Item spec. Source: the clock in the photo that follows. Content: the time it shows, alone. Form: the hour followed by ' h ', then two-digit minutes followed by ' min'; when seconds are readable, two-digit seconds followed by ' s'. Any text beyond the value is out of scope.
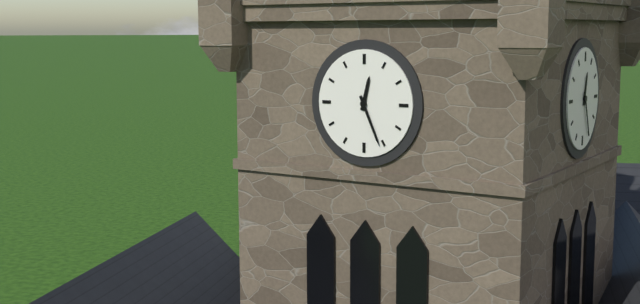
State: 12 h 26 min
